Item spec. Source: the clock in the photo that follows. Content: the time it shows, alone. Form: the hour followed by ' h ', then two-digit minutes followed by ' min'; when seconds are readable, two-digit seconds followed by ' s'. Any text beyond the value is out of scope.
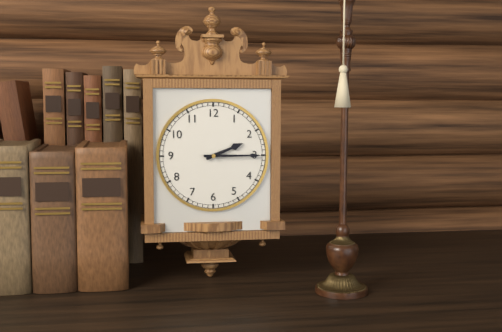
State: 2 h 15 min
